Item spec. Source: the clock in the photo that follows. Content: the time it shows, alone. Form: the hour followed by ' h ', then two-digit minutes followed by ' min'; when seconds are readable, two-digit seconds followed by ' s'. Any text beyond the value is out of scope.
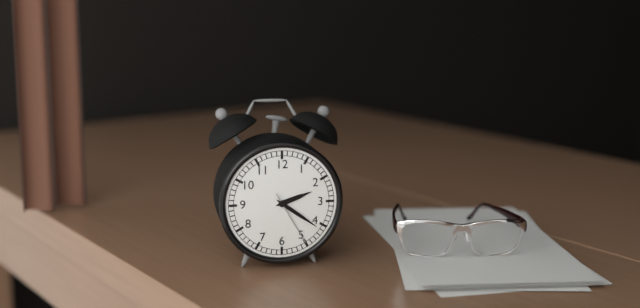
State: 2 h 21 min 25 s
